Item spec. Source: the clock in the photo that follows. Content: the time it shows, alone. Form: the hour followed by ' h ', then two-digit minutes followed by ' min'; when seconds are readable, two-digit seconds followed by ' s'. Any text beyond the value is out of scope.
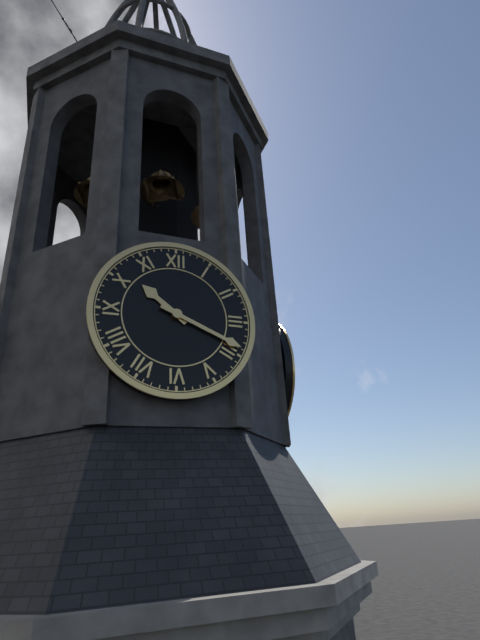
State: 10 h 19 min
